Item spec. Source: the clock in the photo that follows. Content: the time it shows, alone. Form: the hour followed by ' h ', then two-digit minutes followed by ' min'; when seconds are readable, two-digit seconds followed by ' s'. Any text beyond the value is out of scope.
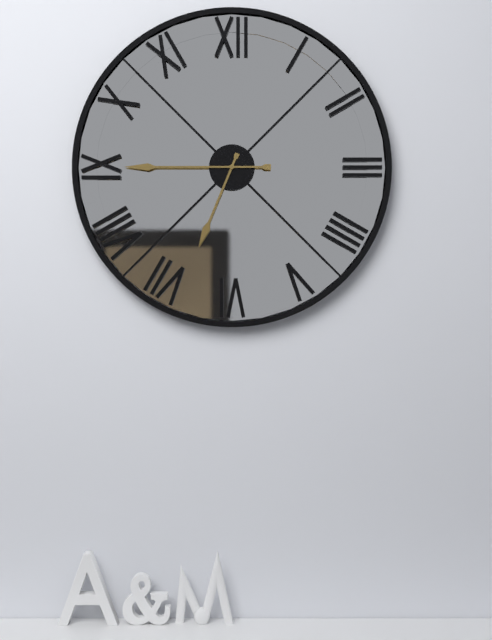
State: 6 h 45 min
